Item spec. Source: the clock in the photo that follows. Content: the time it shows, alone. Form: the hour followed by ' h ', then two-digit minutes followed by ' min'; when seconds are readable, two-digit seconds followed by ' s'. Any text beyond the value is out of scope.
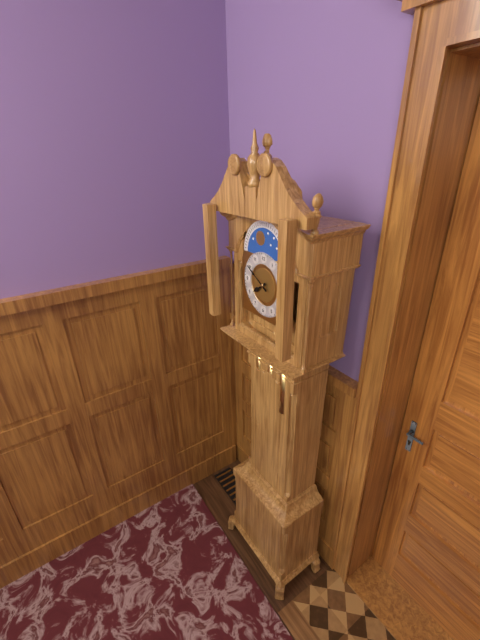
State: 7 h 50 min
